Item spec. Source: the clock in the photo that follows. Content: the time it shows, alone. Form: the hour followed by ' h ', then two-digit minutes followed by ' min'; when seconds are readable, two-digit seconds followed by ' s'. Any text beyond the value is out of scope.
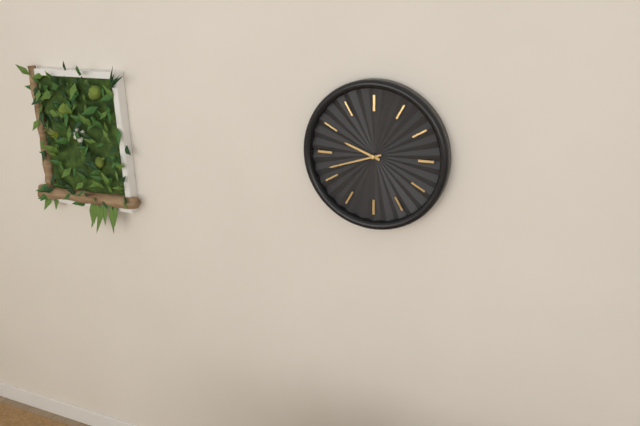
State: 9 h 42 min
